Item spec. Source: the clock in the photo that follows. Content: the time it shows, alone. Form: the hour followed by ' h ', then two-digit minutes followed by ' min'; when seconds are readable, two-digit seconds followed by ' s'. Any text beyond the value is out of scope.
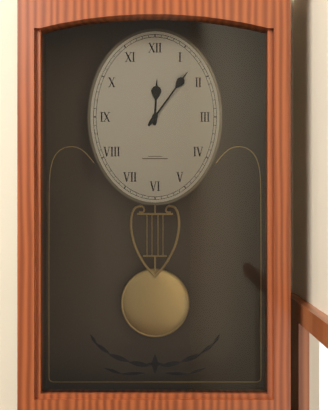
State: 12 h 06 min
